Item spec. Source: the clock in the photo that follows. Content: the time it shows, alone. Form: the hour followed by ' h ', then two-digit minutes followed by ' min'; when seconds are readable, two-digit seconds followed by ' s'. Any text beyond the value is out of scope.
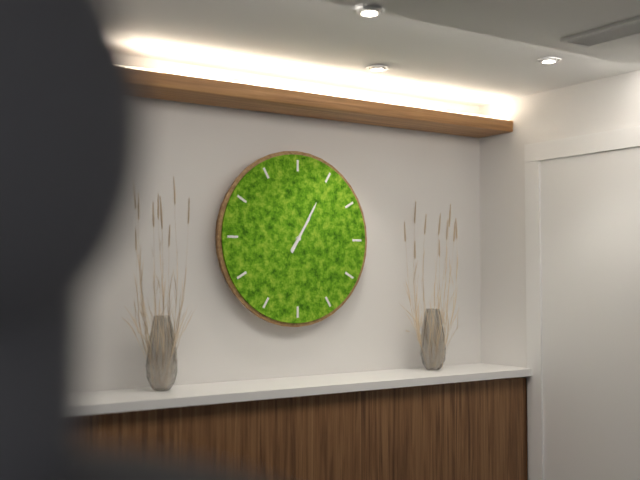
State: 1 h 05 min
